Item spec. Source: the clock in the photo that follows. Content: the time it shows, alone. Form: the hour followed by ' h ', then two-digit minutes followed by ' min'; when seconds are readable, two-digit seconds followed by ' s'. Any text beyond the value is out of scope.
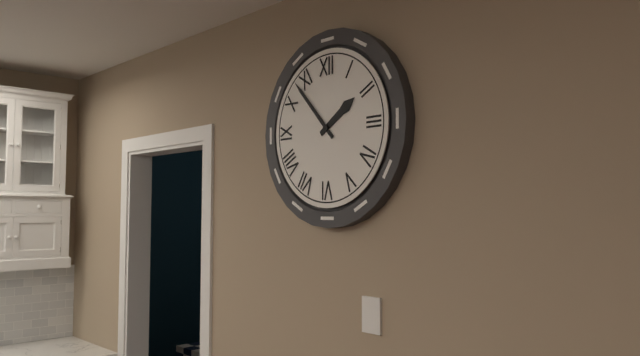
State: 1 h 53 min
